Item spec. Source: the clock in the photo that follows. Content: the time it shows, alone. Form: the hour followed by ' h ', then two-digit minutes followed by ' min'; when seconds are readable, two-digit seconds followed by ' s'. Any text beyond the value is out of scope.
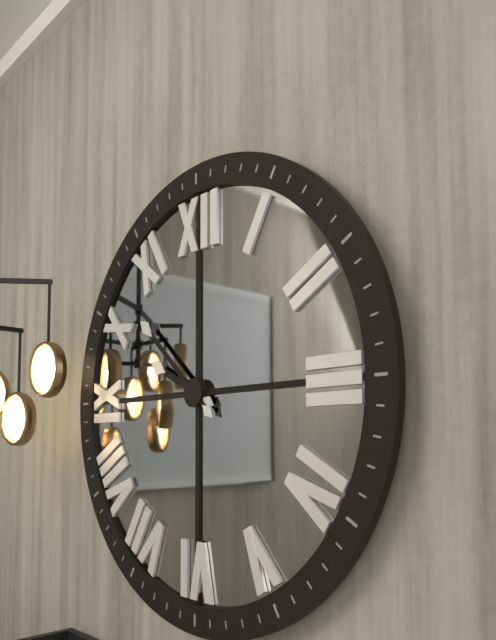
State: 9 h 52 min
